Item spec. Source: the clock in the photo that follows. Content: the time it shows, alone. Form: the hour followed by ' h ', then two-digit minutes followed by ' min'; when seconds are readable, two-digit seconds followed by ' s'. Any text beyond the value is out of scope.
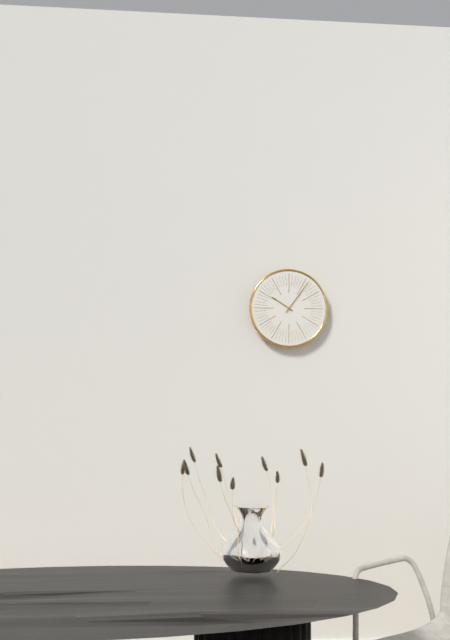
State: 10 h 06 min
